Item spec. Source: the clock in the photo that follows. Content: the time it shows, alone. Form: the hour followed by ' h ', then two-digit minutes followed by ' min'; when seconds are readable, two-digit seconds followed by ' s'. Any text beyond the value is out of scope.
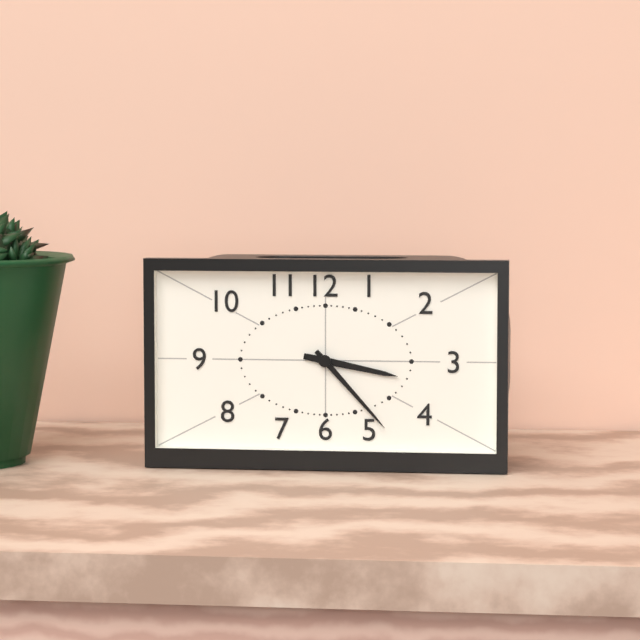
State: 3 h 23 min
